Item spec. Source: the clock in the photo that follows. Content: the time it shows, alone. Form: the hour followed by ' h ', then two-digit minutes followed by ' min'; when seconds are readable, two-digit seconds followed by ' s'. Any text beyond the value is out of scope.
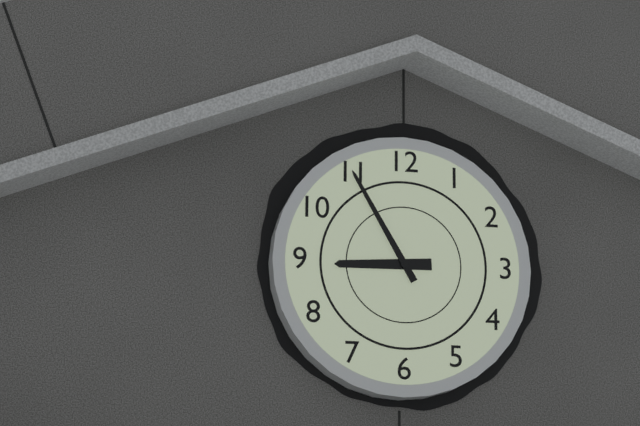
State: 8 h 55 min
